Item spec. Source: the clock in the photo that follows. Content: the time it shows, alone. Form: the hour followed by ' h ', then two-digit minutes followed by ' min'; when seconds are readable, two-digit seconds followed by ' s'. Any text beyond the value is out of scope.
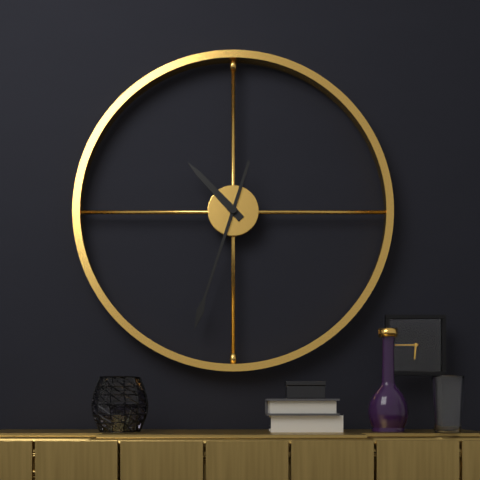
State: 10 h 33 min
